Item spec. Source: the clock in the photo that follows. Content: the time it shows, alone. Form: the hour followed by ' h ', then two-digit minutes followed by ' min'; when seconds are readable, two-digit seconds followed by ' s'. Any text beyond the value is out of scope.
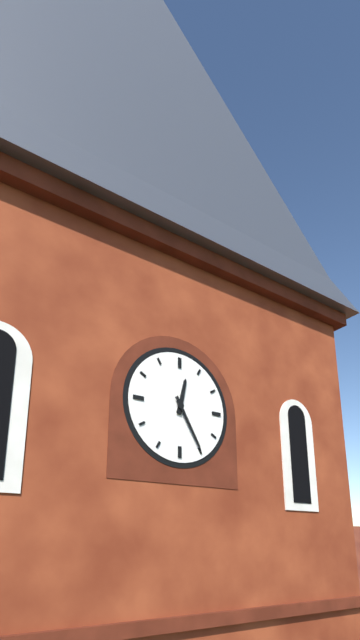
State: 12 h 25 min
